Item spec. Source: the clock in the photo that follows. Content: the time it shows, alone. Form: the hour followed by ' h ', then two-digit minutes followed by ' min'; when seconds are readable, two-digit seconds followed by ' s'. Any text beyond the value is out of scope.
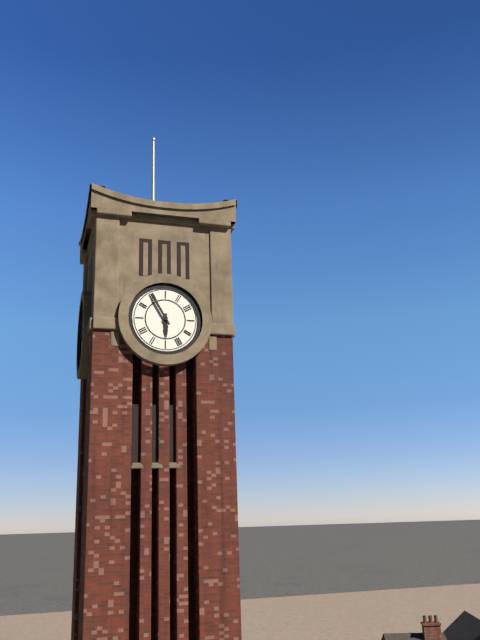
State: 5 h 55 min
